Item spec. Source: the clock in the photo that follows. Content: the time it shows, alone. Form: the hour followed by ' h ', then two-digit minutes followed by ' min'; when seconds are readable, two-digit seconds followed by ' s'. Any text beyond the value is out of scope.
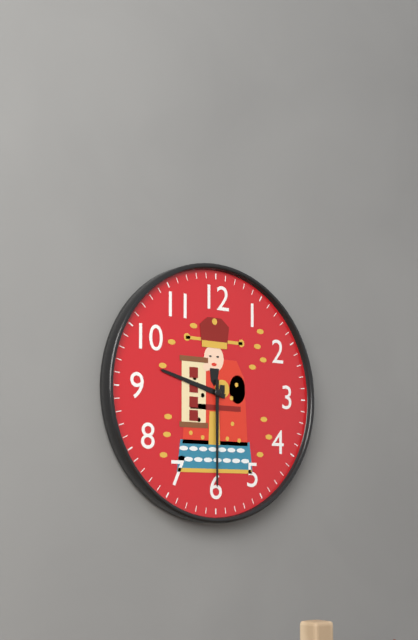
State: 9 h 30 min
